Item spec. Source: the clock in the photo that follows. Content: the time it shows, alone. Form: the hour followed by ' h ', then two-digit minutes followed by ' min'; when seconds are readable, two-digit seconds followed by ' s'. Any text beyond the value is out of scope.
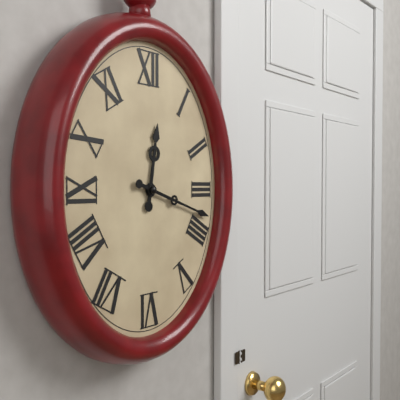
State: 12 h 18 min
